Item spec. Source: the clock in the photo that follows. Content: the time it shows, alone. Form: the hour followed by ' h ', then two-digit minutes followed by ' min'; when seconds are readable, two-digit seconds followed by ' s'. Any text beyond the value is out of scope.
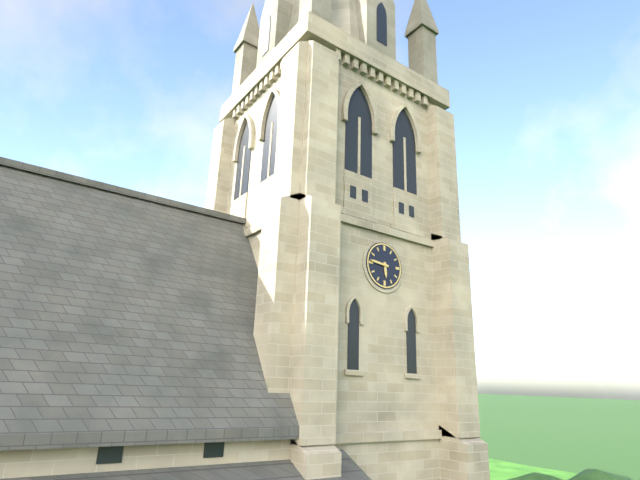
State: 5 h 46 min
